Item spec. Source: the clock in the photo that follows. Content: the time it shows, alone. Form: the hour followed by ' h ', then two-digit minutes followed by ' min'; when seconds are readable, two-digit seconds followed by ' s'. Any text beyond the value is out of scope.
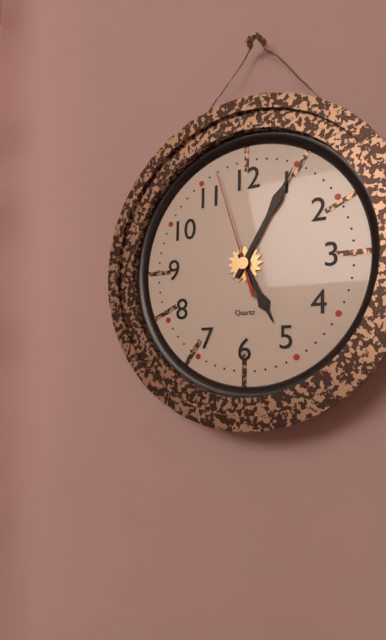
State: 5 h 05 min 57 s
